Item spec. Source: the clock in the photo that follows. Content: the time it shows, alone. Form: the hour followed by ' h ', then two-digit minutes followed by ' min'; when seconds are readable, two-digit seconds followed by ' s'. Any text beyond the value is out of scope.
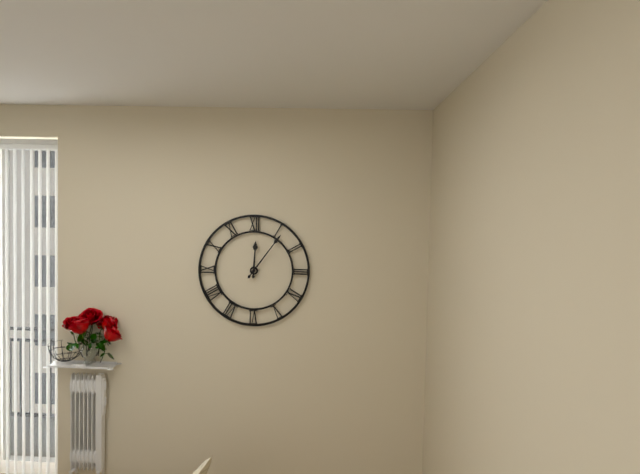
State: 12 h 06 min
